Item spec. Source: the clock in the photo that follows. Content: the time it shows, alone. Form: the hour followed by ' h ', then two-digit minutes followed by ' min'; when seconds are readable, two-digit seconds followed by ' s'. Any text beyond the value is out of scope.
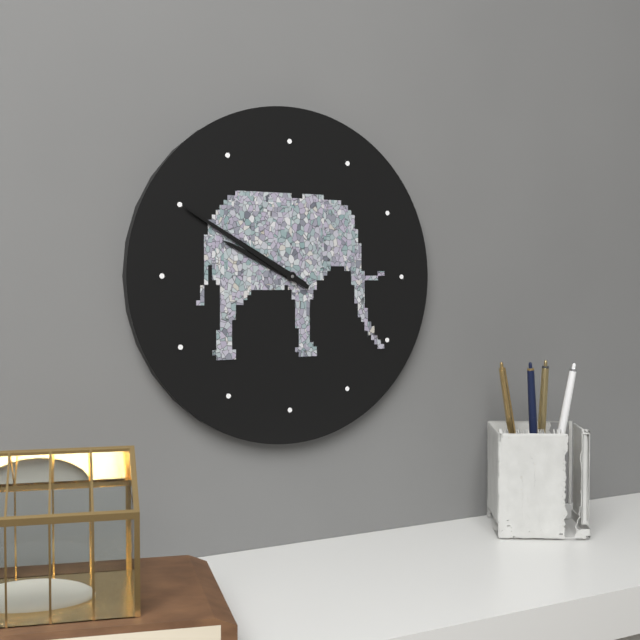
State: 9 h 50 min
